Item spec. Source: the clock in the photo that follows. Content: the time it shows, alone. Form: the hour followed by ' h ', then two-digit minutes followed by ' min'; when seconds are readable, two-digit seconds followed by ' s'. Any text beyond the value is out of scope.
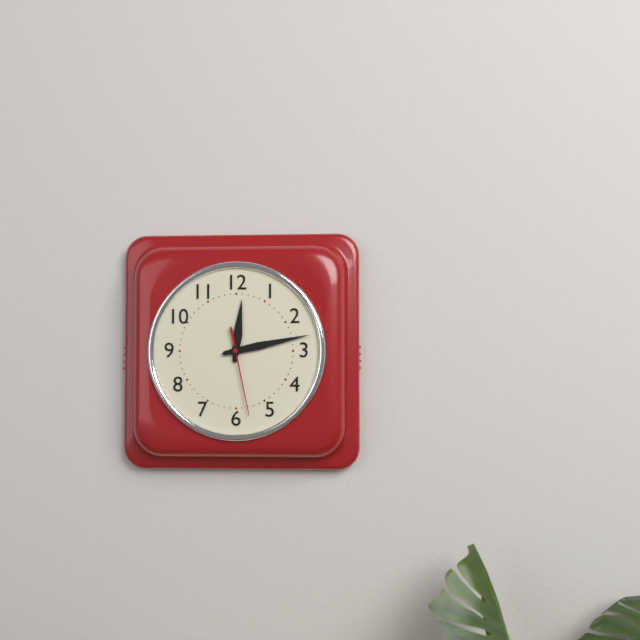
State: 12 h 13 min 28 s
